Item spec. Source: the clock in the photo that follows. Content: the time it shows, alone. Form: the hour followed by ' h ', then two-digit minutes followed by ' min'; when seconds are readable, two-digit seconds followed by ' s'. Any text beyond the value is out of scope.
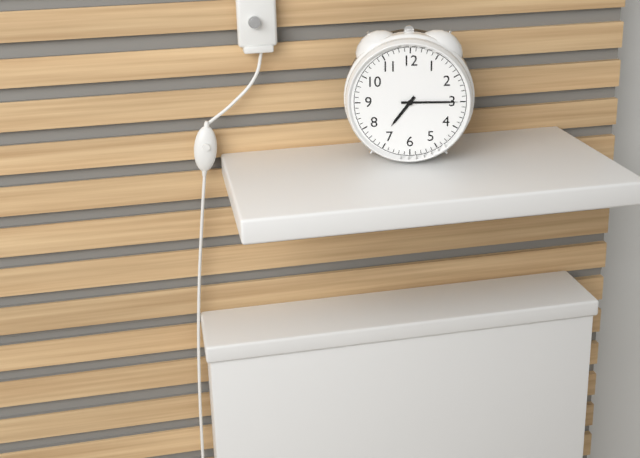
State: 7 h 15 min
